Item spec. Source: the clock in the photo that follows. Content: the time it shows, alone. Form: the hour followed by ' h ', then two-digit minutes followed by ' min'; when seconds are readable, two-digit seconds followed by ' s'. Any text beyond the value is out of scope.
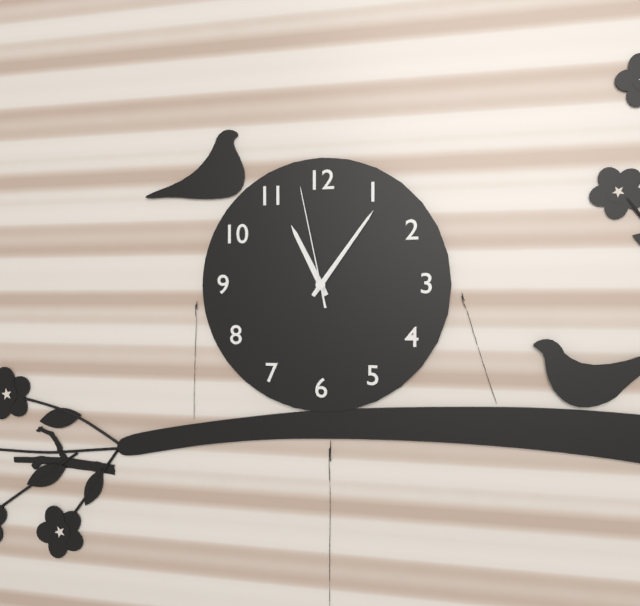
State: 11 h 06 min 58 s
